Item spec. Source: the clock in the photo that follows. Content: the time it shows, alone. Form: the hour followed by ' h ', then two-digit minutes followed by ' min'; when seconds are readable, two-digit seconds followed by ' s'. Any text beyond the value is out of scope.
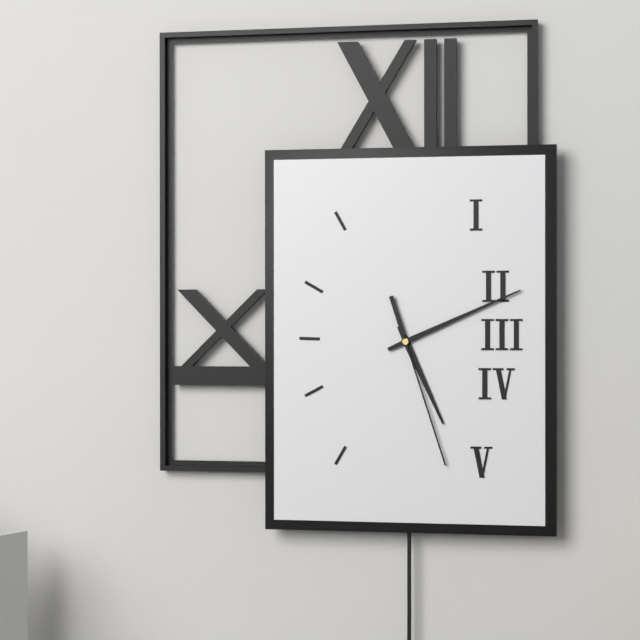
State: 5 h 11 min 27 s
